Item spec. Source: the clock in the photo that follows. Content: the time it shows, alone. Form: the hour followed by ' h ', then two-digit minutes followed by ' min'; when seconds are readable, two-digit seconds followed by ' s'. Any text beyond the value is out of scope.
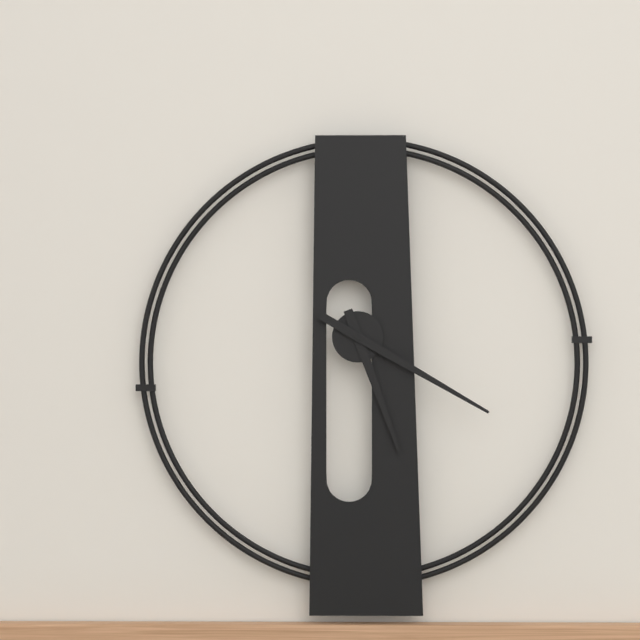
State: 5 h 20 min
